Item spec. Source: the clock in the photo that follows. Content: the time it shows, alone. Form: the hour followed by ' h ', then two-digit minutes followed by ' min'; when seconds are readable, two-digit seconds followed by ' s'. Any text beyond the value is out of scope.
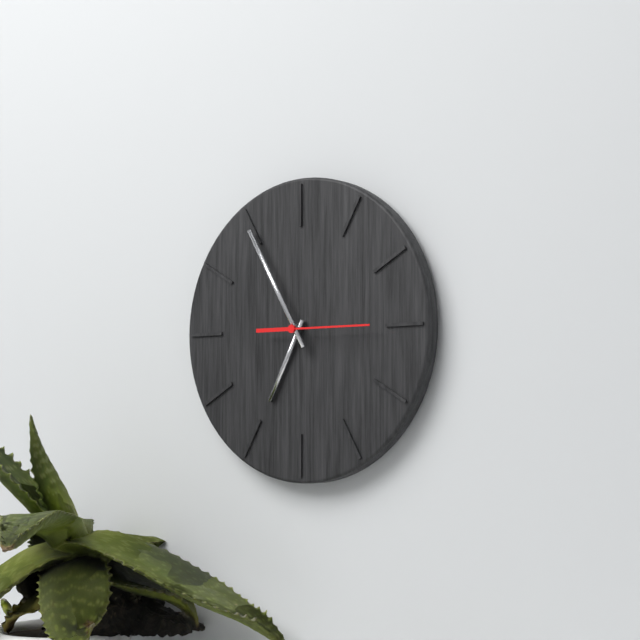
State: 6 h 55 min 15 s
